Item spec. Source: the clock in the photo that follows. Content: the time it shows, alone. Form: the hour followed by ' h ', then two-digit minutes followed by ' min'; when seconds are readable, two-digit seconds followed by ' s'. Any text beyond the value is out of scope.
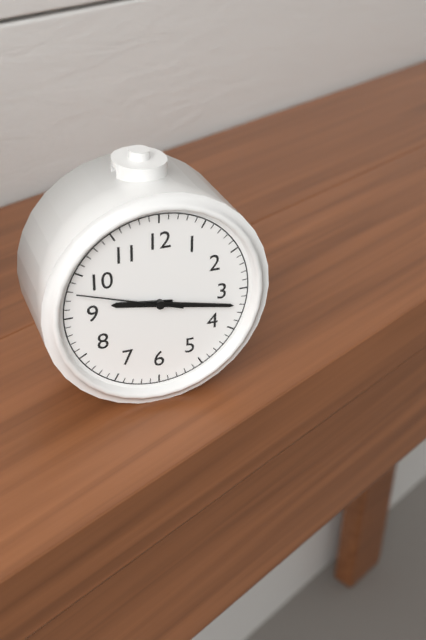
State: 9 h 17 min 48 s
